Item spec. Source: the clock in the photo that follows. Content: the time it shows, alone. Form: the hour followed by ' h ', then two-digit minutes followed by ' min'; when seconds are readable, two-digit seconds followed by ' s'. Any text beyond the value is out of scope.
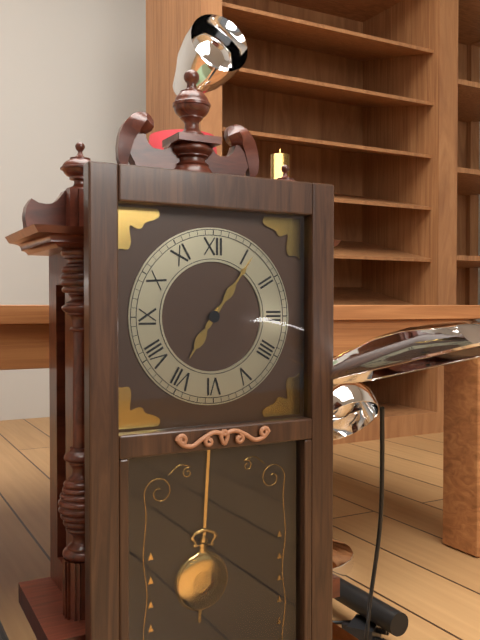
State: 7 h 06 min
